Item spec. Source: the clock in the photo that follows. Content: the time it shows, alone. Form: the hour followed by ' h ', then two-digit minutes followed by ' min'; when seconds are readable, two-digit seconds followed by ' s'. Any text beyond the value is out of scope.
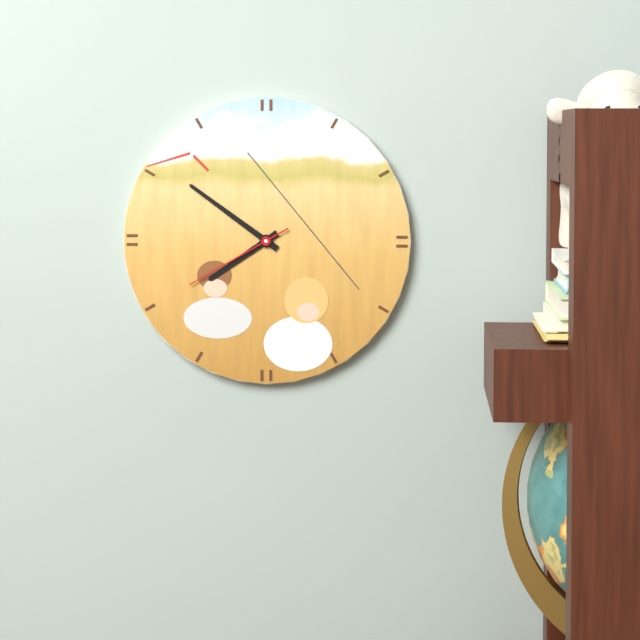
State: 7 h 51 min 40 s
